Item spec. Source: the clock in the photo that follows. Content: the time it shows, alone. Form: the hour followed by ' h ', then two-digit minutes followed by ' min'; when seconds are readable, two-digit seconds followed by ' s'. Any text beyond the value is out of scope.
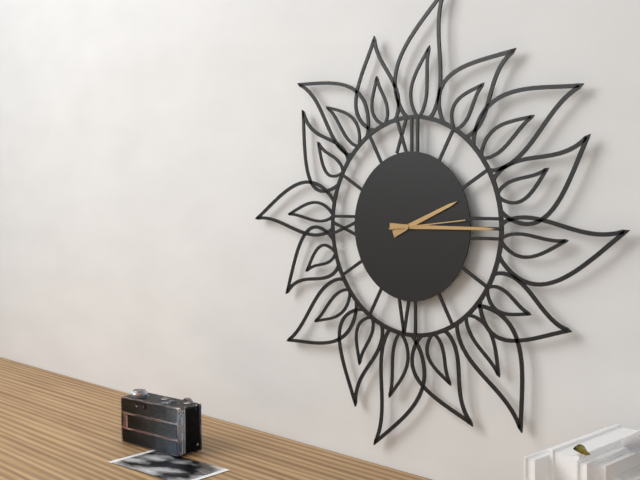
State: 2 h 15 min 14 s
